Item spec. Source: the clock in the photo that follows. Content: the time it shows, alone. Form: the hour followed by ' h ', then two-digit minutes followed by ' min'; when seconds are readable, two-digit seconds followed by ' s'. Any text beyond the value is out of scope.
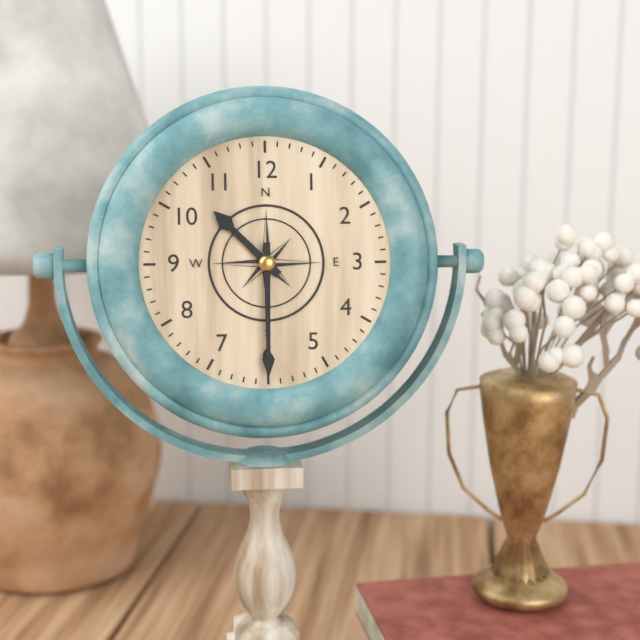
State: 10 h 30 min
